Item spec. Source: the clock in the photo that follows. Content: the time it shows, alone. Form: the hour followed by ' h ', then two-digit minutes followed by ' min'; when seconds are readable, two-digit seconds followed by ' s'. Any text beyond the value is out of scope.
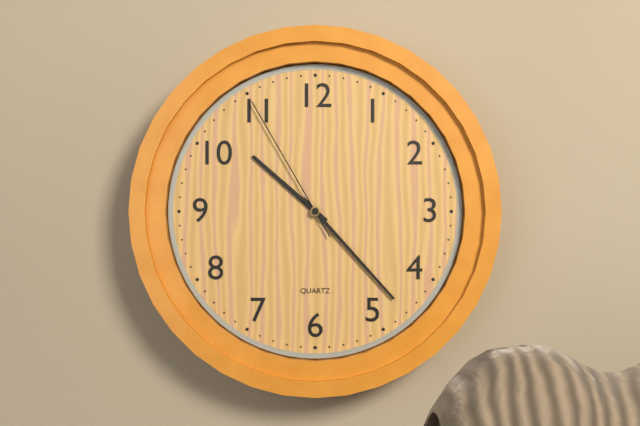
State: 10 h 23 min 55 s
